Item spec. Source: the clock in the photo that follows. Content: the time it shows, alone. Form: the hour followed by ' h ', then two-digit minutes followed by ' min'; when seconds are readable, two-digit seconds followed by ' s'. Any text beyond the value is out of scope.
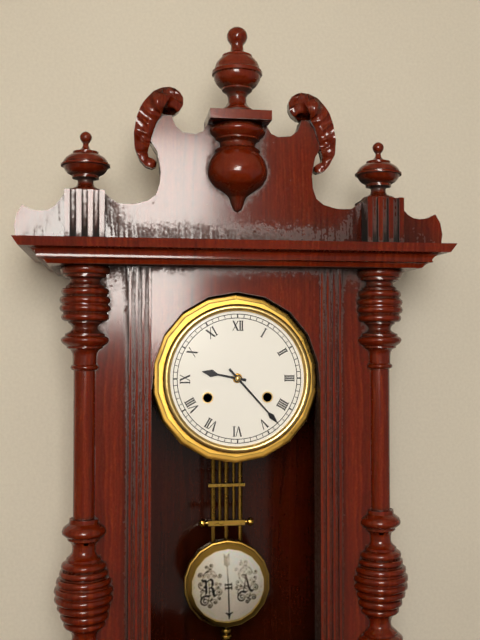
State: 9 h 23 min
